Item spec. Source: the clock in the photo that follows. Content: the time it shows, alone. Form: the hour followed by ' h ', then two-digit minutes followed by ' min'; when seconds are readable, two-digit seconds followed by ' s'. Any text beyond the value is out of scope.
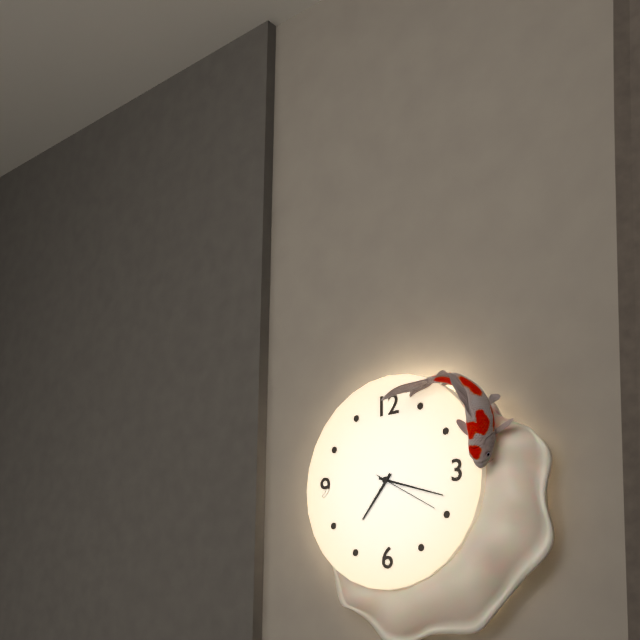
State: 7 h 18 min 20 s
